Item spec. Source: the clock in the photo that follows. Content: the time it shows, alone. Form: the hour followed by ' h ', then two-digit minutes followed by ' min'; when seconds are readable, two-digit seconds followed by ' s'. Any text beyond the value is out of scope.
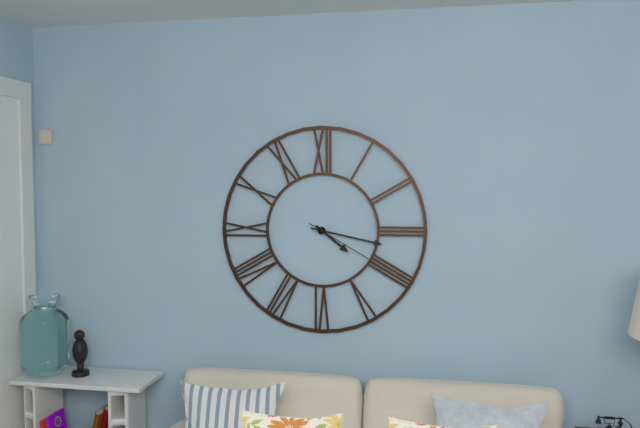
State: 4 h 17 min 20 s
